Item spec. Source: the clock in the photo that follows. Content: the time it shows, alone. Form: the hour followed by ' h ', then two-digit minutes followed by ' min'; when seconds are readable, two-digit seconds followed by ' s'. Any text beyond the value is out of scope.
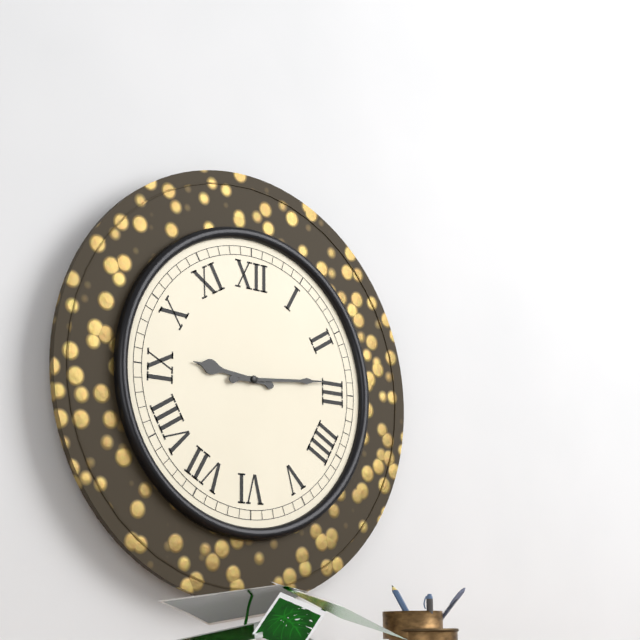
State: 9 h 14 min
